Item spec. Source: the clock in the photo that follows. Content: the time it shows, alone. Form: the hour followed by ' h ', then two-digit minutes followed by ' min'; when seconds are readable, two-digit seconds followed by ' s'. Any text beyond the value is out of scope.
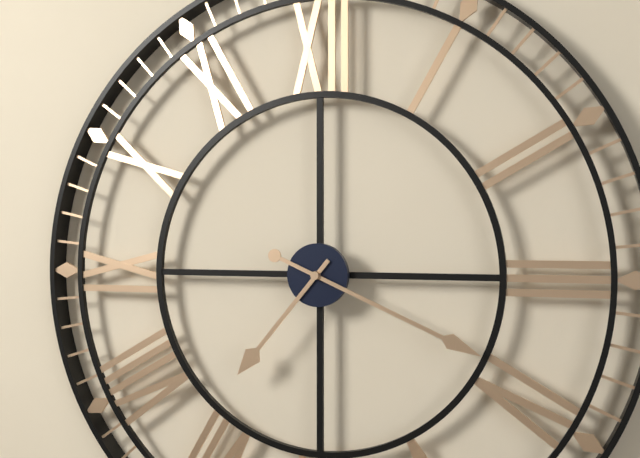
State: 7 h 19 min
